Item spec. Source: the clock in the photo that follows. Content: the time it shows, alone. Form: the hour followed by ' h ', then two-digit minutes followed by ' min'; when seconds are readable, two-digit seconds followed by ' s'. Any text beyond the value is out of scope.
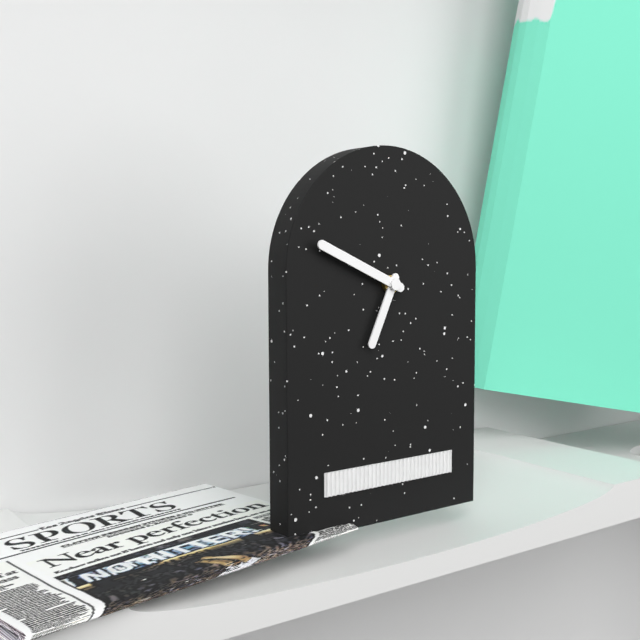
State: 6 h 49 min
